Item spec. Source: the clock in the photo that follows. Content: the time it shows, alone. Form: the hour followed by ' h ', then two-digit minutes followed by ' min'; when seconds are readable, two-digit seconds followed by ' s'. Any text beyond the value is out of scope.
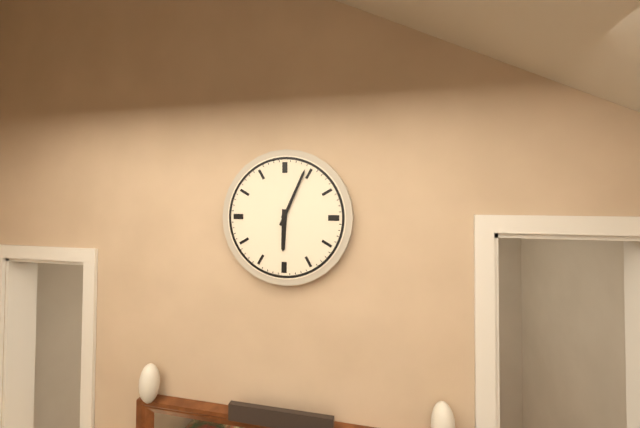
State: 6 h 04 min
